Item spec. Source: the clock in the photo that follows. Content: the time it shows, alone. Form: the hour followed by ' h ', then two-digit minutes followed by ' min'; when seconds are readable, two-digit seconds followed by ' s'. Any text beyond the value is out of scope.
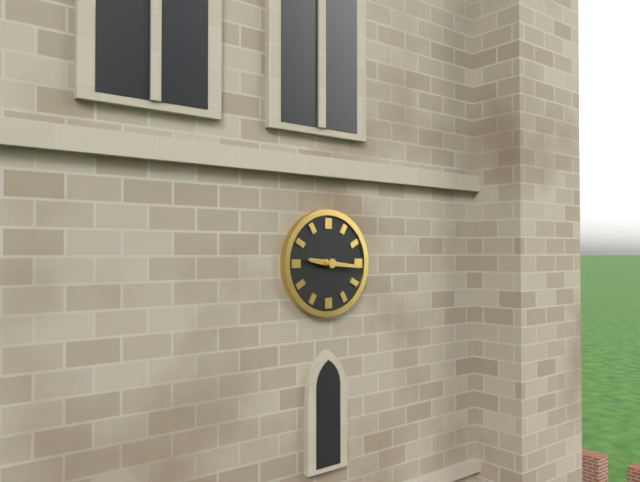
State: 9 h 16 min
